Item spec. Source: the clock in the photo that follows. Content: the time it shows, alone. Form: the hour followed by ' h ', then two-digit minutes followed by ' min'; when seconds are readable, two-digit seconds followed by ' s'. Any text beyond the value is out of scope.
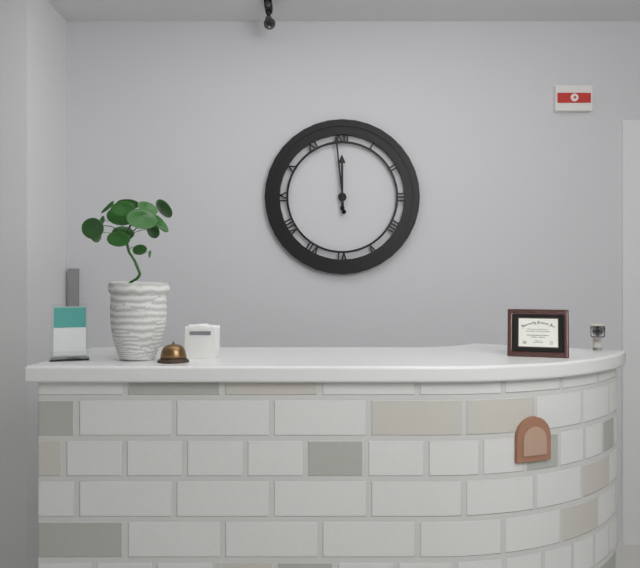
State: 11 h 59 min
